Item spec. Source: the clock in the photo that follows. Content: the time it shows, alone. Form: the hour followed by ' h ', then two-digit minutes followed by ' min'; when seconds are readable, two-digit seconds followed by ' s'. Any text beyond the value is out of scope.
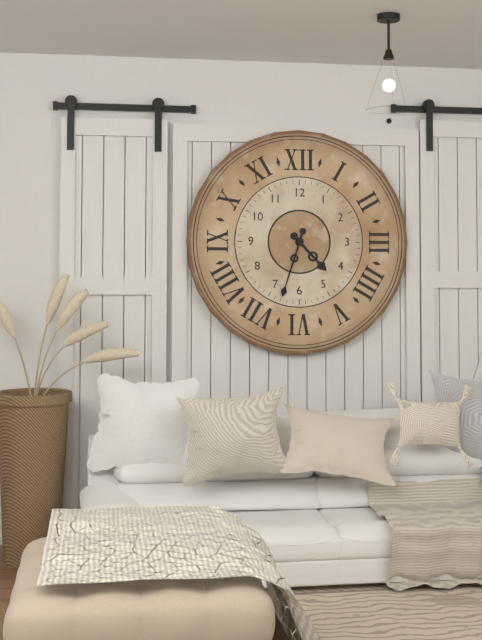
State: 4 h 33 min
